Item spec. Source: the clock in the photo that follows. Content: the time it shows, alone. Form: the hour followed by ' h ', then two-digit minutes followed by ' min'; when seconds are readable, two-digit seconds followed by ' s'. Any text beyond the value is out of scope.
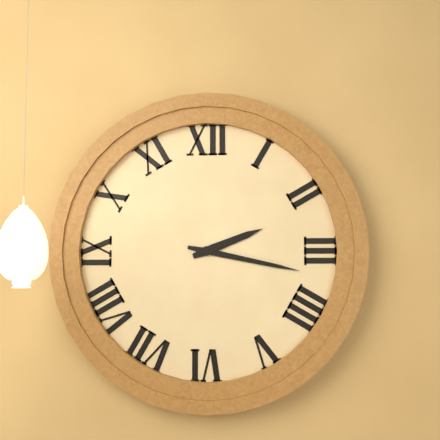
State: 2 h 17 min
